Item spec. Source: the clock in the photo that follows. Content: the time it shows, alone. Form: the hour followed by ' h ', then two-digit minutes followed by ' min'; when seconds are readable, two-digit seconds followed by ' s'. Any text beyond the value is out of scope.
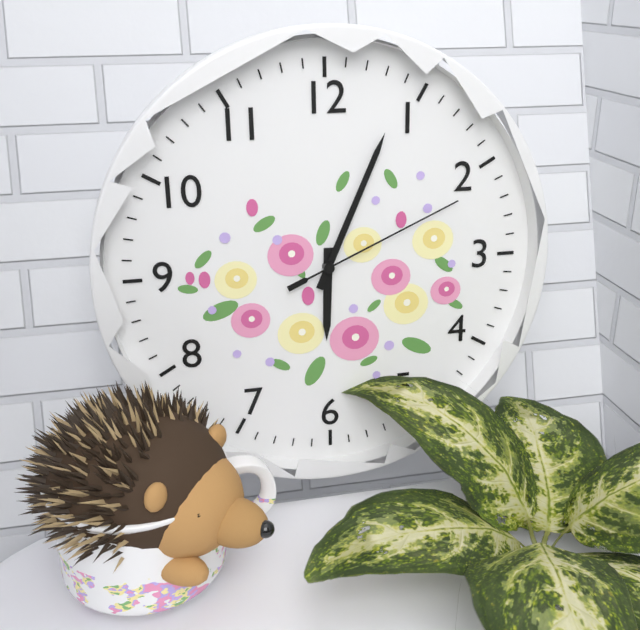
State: 6 h 04 min 11 s
